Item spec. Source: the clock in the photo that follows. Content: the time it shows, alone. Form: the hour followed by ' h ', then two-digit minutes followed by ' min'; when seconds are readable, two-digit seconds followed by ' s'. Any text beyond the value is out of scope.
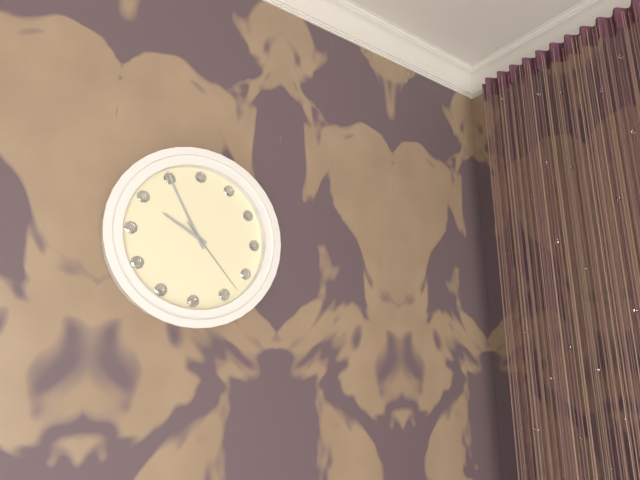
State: 9 h 55 min 23 s
